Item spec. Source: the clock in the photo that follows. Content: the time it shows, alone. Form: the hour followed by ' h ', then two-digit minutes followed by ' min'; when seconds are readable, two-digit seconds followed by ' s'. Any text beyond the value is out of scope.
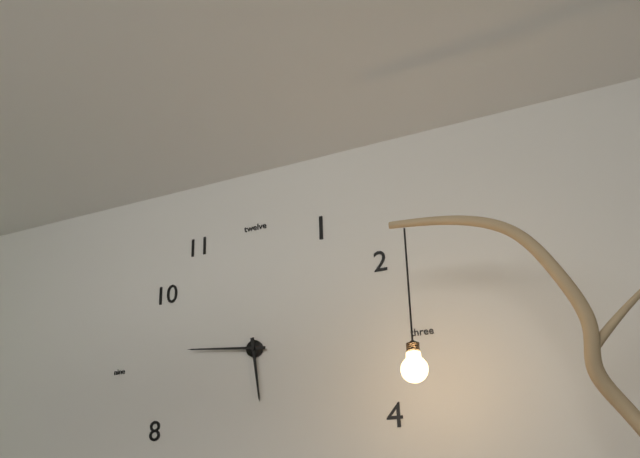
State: 5 h 46 min
